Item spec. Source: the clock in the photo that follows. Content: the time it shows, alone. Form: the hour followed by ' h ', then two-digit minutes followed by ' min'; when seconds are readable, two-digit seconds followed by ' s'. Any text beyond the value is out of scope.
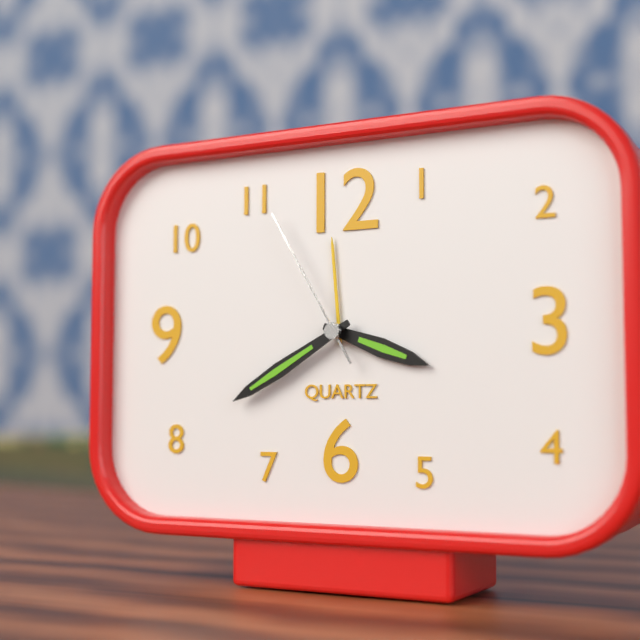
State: 3 h 40 min 55 s
